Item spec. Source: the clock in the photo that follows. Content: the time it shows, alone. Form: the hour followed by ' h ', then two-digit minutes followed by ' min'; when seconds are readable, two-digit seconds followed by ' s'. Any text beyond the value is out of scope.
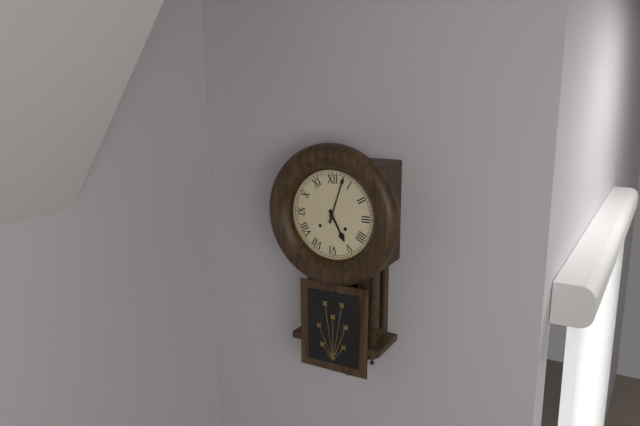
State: 5 h 03 min
